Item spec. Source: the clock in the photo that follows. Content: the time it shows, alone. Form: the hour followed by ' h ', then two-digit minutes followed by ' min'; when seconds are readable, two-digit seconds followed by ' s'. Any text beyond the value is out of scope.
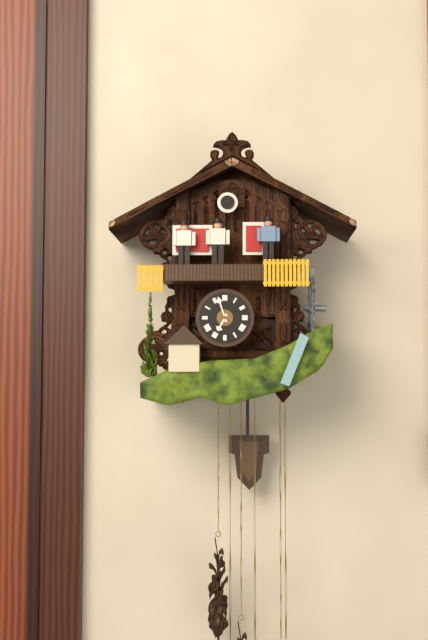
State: 6 h 57 min
